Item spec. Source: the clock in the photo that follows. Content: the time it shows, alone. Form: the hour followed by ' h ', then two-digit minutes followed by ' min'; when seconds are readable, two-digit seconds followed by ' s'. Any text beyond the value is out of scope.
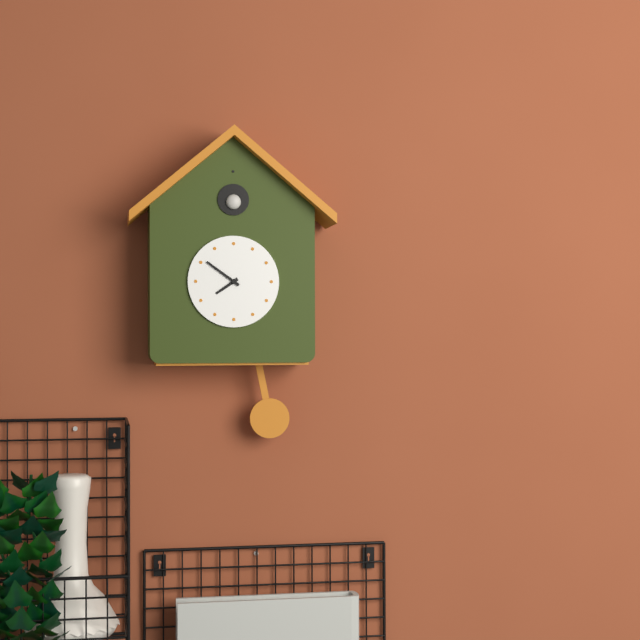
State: 7 h 51 min
